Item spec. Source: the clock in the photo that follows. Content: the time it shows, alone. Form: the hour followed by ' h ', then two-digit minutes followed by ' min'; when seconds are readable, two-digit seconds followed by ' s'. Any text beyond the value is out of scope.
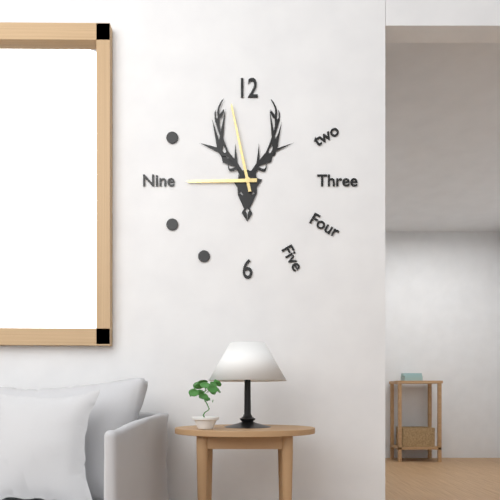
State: 8 h 58 min
